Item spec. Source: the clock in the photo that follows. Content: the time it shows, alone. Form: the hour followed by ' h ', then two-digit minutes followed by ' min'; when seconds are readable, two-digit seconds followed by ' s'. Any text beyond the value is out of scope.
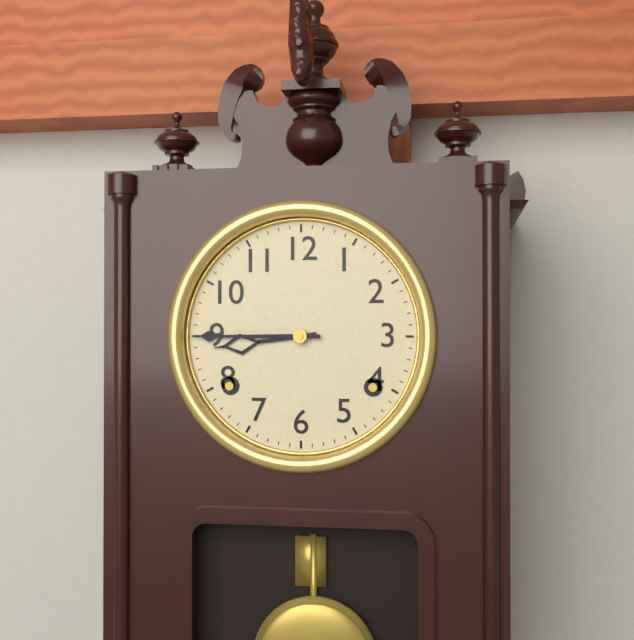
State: 8 h 45 min
